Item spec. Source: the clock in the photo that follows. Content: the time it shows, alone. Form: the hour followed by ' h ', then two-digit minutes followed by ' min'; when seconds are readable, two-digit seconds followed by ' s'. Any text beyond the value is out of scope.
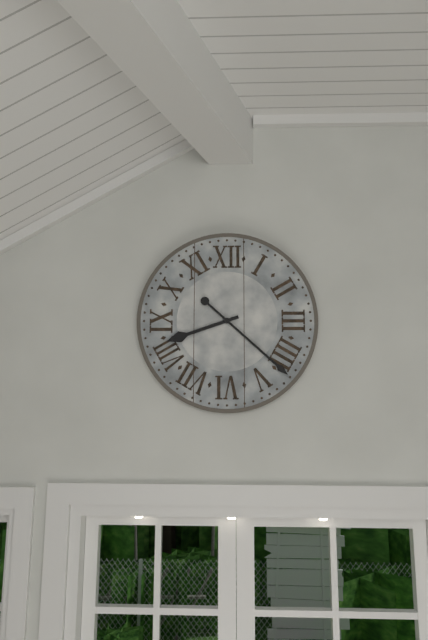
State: 8 h 22 min
